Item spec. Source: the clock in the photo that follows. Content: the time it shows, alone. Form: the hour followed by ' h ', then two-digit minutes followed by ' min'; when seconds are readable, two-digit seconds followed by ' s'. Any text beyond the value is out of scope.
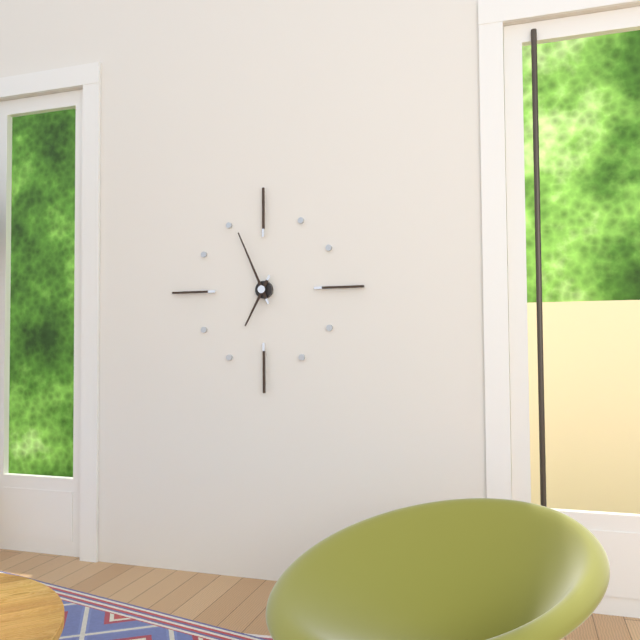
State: 6 h 56 min
